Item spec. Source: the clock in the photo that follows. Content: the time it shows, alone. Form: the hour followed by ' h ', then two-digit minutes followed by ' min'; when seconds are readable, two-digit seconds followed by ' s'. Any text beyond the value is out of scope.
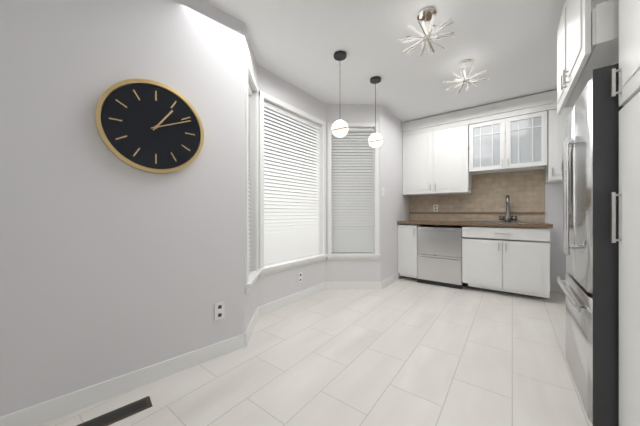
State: 1 h 11 min
